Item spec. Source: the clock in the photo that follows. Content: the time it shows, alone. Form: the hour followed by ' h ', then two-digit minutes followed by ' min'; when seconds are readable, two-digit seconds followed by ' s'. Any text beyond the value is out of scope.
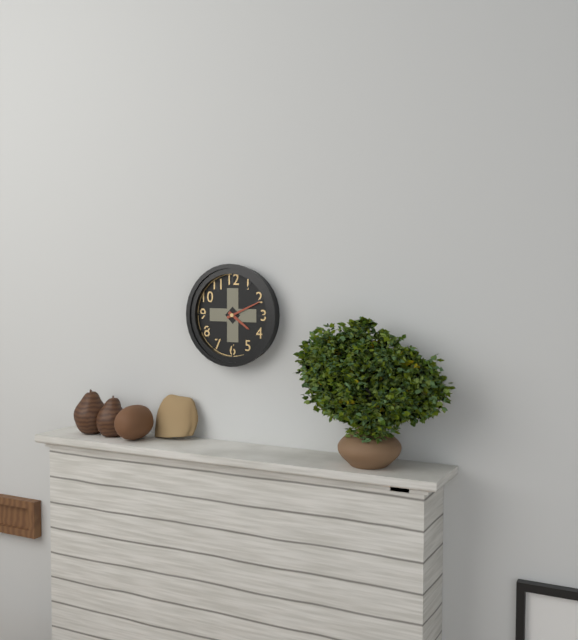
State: 4 h 11 min
